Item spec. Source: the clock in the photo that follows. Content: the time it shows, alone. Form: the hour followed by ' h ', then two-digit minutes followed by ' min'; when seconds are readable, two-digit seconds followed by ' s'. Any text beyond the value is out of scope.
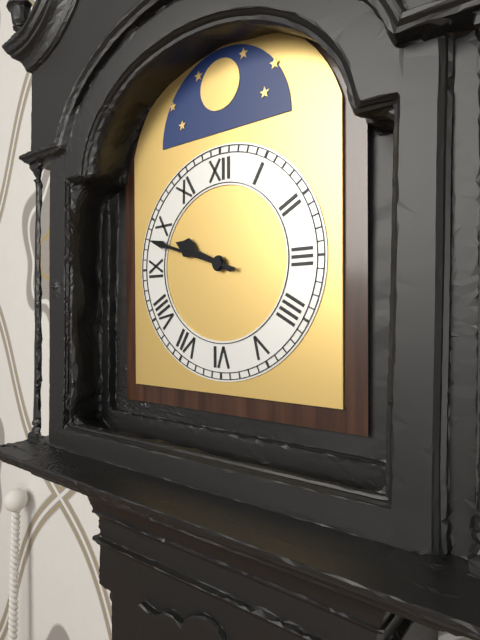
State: 9 h 48 min
